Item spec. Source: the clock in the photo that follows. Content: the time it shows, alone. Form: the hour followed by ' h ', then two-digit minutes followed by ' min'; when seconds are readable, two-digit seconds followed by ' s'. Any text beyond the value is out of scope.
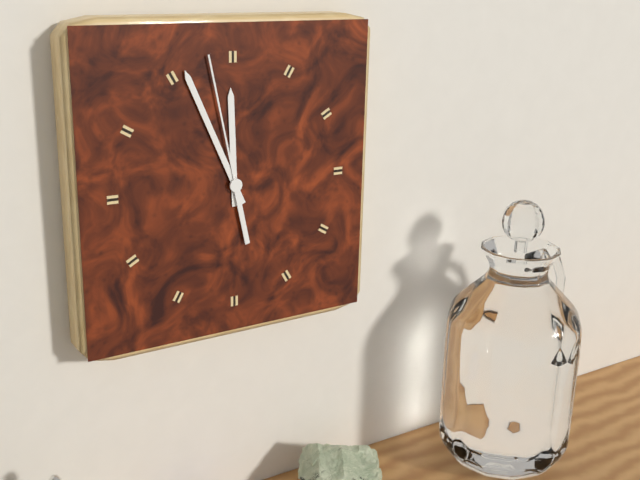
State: 11 h 56 min 58 s
